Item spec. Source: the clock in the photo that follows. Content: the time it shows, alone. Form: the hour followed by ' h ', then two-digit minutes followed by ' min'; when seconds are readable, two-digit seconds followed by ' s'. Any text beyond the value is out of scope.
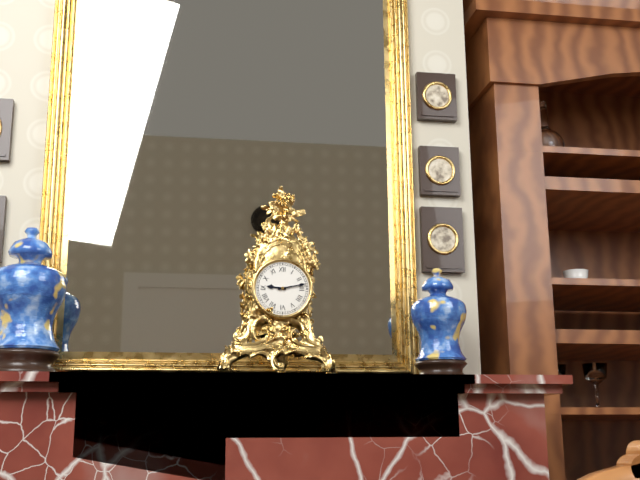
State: 9 h 13 min
